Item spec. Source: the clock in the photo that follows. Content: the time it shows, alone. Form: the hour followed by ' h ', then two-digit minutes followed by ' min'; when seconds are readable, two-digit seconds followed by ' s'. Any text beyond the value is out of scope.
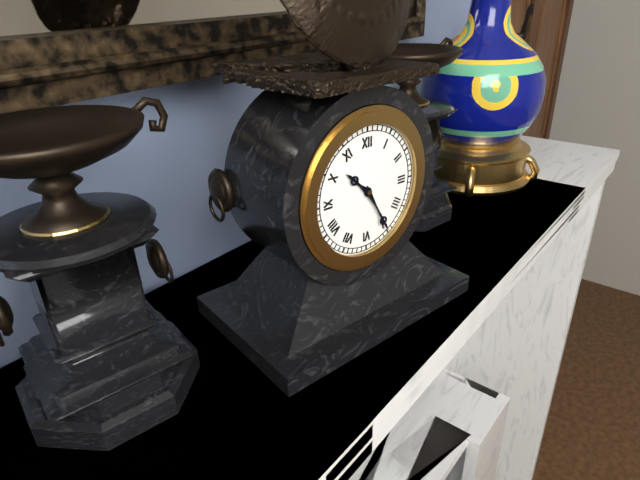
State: 10 h 25 min
